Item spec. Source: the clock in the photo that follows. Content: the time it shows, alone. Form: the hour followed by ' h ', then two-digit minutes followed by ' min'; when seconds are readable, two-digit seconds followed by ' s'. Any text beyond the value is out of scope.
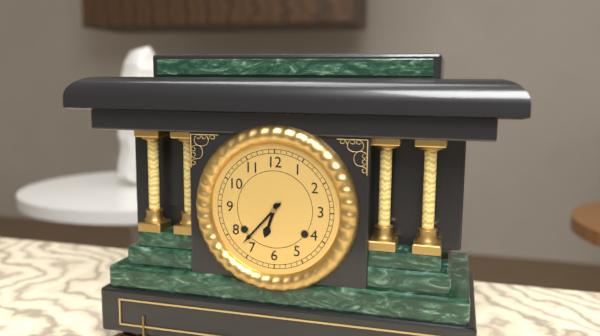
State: 6 h 37 min
